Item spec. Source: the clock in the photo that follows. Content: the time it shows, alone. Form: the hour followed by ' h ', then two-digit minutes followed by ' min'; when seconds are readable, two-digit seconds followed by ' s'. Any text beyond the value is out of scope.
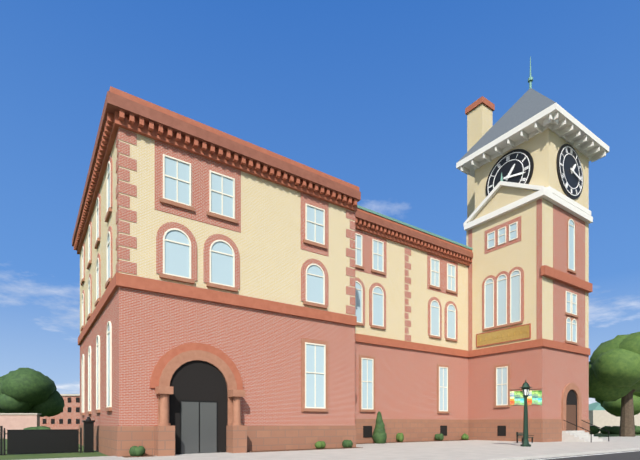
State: 1 h 17 min
